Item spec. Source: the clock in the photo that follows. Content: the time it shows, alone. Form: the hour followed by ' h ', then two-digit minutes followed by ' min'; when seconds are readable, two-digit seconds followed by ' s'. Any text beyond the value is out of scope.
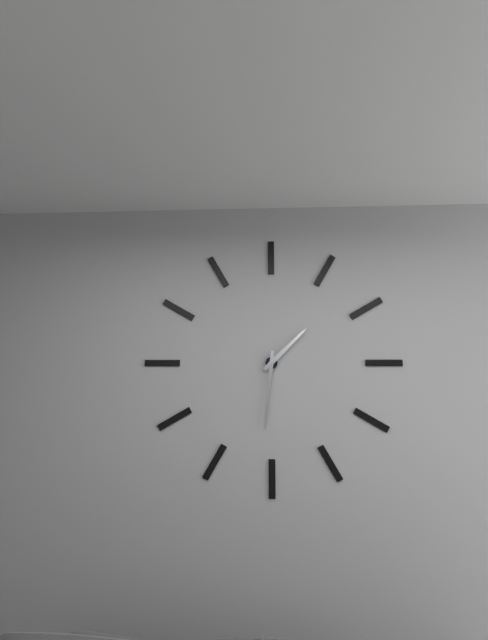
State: 1 h 31 min
